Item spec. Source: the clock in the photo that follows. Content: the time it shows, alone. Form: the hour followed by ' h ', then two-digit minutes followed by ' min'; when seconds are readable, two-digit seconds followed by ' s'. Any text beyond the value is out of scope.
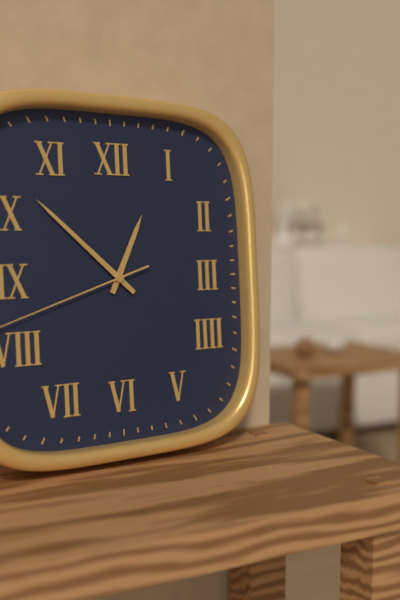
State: 12 h 52 min
